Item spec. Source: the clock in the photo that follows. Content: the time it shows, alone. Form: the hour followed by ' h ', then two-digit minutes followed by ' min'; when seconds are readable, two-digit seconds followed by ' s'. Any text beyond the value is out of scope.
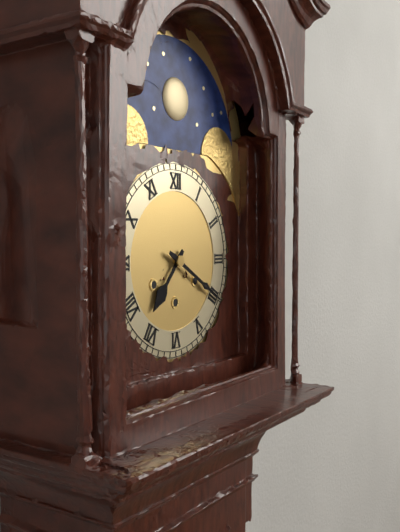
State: 7 h 20 min
